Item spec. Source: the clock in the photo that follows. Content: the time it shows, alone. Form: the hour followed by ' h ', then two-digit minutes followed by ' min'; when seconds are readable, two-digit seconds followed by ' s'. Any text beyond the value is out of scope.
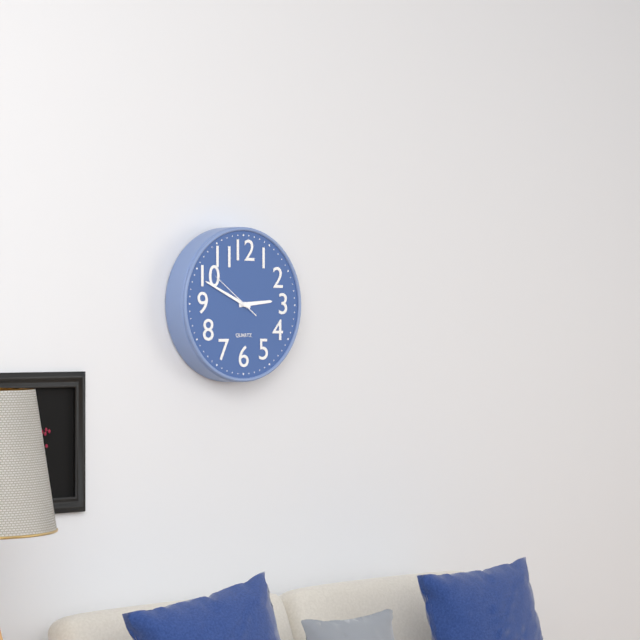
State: 2 h 49 min 51 s
